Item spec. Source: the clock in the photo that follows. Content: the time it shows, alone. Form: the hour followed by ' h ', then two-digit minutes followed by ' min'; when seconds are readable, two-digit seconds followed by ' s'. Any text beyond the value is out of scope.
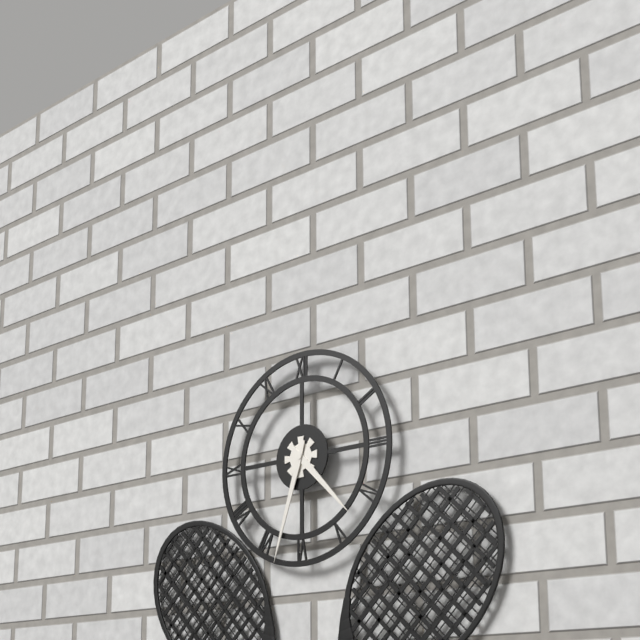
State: 4 h 33 min
